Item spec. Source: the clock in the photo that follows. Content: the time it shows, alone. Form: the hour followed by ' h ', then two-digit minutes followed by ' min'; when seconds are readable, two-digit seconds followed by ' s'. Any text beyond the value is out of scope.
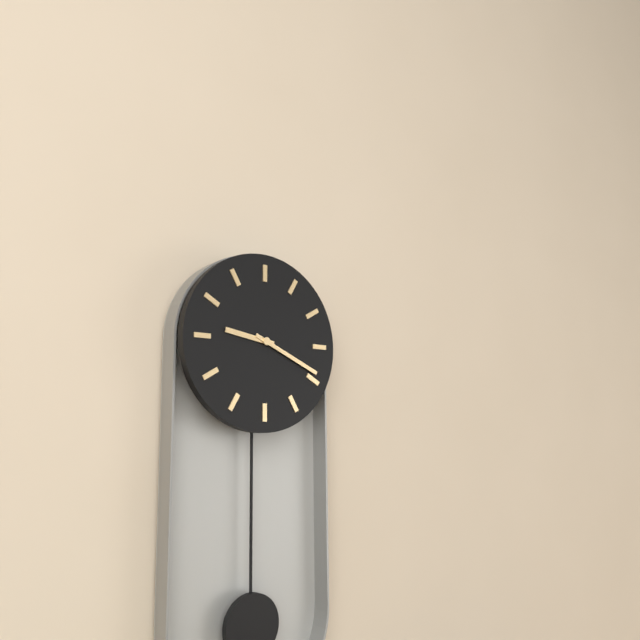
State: 9 h 19 min
